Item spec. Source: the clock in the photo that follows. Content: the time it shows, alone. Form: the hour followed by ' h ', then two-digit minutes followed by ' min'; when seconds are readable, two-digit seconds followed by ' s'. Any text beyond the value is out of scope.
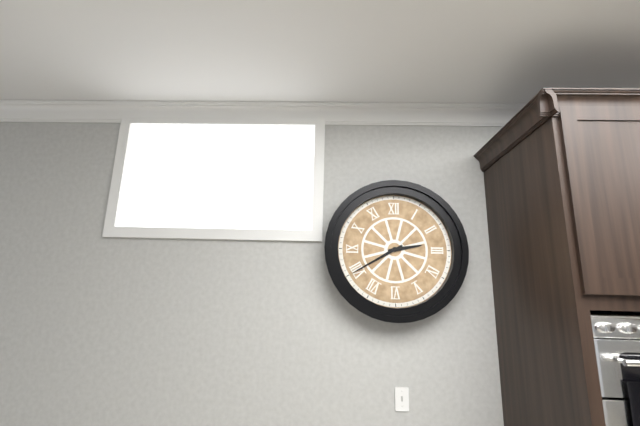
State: 2 h 40 min
